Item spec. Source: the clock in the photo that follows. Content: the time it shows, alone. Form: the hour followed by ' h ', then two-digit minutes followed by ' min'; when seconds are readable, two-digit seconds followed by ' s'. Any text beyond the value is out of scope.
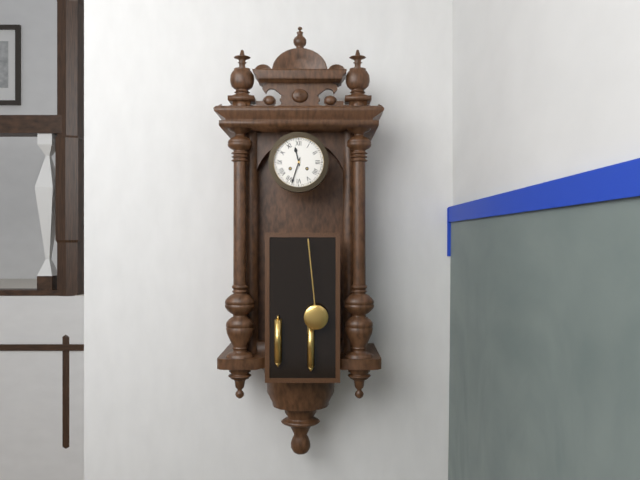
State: 11 h 33 min
